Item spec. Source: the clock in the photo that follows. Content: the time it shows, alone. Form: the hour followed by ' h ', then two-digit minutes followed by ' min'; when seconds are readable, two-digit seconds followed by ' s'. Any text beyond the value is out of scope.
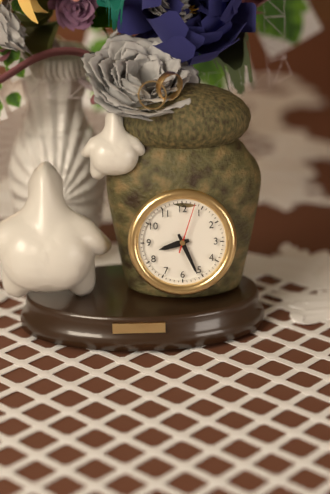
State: 8 h 26 min
